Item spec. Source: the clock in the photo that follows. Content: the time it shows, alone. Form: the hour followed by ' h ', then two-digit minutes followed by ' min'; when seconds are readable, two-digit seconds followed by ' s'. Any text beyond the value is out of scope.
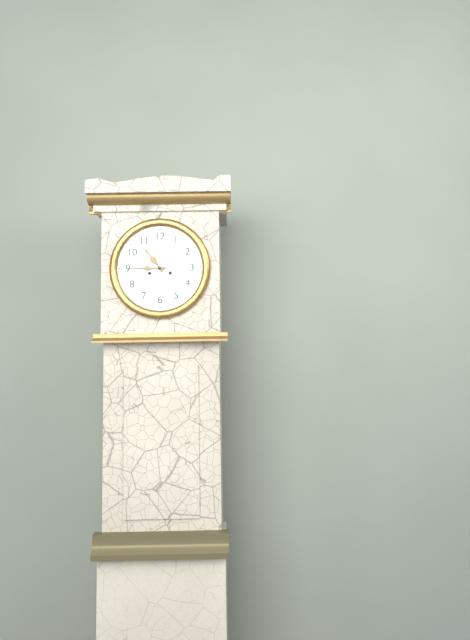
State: 10 h 45 min
